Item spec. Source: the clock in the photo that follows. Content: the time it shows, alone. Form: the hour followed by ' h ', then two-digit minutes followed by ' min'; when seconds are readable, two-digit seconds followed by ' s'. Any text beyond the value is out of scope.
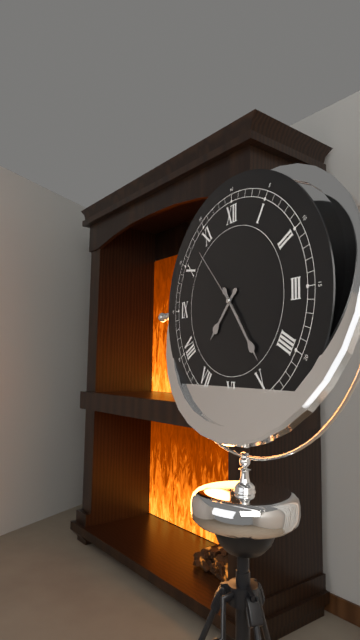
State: 7 h 24 min 53 s
